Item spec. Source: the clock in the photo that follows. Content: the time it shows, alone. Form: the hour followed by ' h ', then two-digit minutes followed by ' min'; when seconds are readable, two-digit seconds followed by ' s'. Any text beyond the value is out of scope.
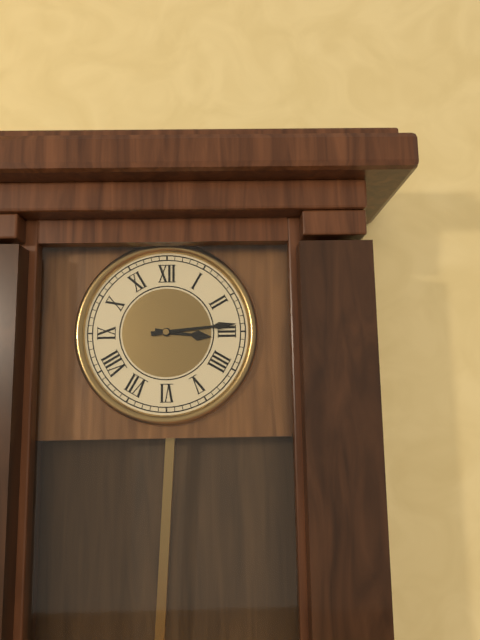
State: 3 h 14 min
